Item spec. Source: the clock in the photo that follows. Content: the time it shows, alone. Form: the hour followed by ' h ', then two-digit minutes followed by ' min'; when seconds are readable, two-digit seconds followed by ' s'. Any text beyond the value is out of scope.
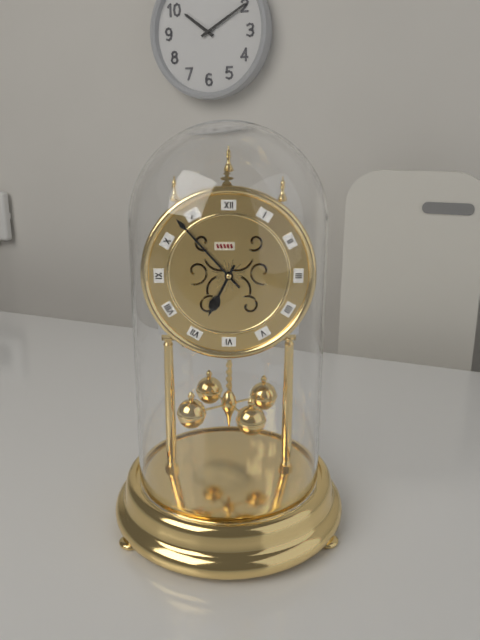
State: 6 h 53 min
